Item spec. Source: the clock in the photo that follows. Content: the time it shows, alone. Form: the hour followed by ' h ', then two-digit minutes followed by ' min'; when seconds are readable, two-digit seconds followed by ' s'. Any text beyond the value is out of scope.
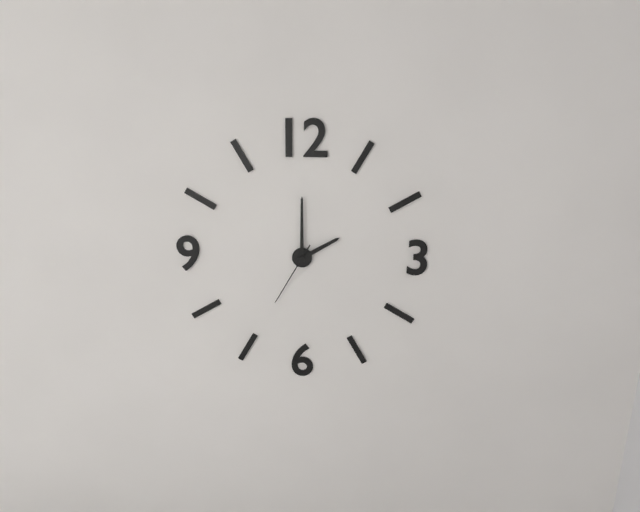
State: 2 h 00 min 35 s
